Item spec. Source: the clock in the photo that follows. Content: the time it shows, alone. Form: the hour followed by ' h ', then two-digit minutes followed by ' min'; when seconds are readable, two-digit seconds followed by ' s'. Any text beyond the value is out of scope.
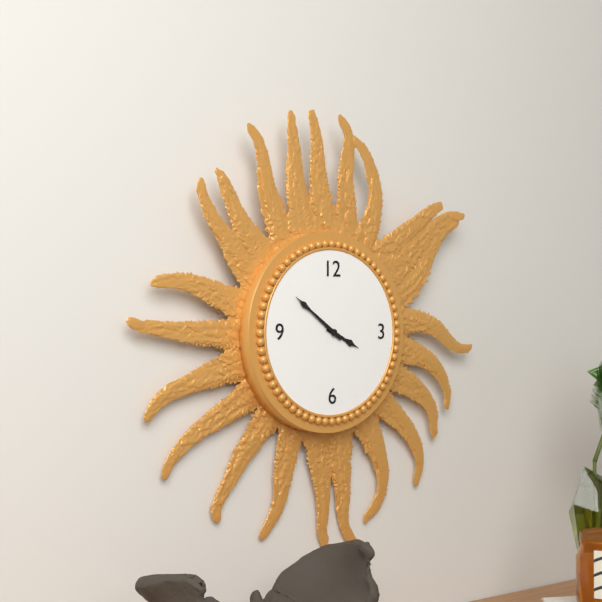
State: 3 h 51 min
